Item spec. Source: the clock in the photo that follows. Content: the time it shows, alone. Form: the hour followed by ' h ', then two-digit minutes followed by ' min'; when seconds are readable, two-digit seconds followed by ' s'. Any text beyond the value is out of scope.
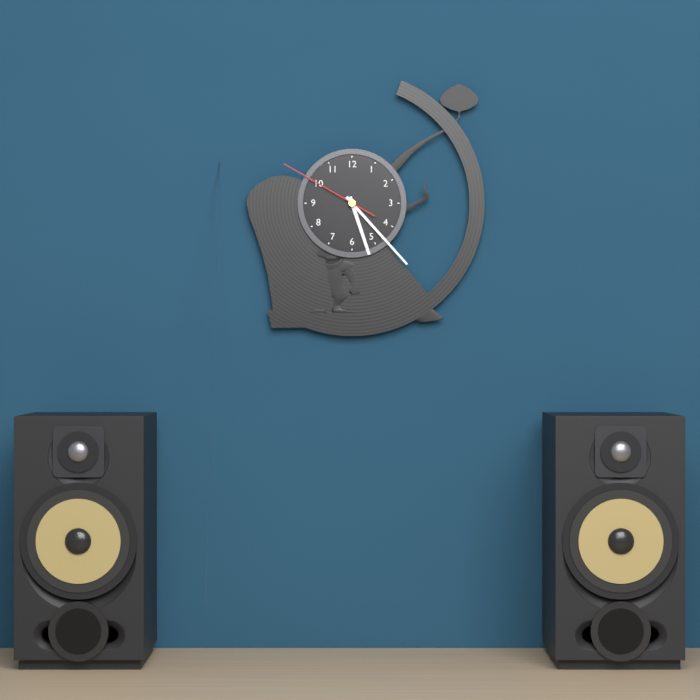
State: 5 h 23 min 50 s
